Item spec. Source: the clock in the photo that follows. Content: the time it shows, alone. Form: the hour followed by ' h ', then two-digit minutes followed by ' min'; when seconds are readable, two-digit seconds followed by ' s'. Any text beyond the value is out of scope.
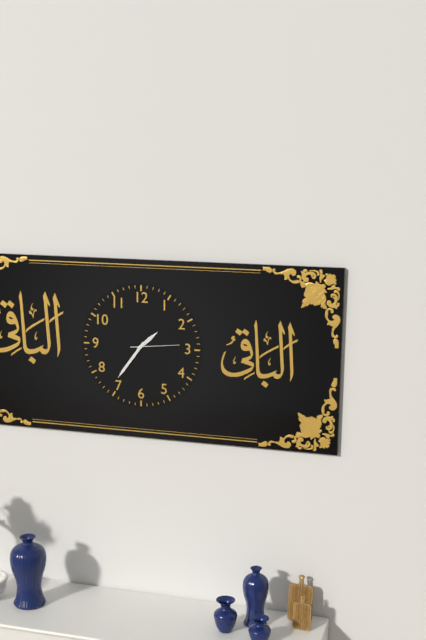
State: 1 h 36 min
